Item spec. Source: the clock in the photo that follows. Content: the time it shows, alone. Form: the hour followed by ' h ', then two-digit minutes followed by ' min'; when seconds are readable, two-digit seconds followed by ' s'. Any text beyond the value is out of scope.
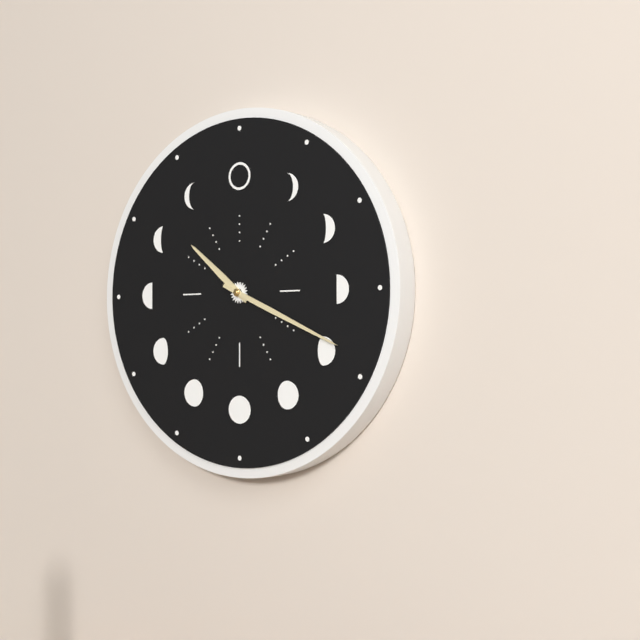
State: 10 h 19 min
